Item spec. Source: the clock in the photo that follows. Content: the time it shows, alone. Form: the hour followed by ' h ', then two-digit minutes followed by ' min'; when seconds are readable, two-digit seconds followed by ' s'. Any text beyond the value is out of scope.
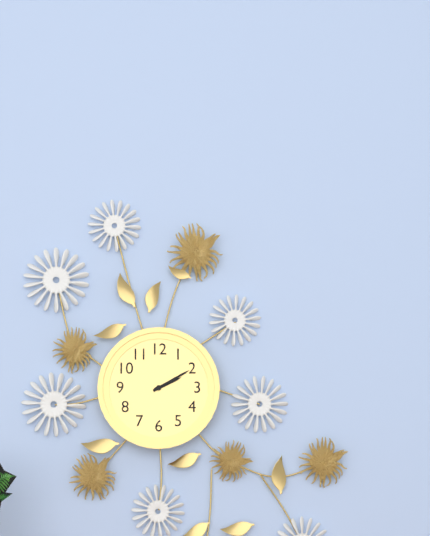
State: 2 h 10 min
